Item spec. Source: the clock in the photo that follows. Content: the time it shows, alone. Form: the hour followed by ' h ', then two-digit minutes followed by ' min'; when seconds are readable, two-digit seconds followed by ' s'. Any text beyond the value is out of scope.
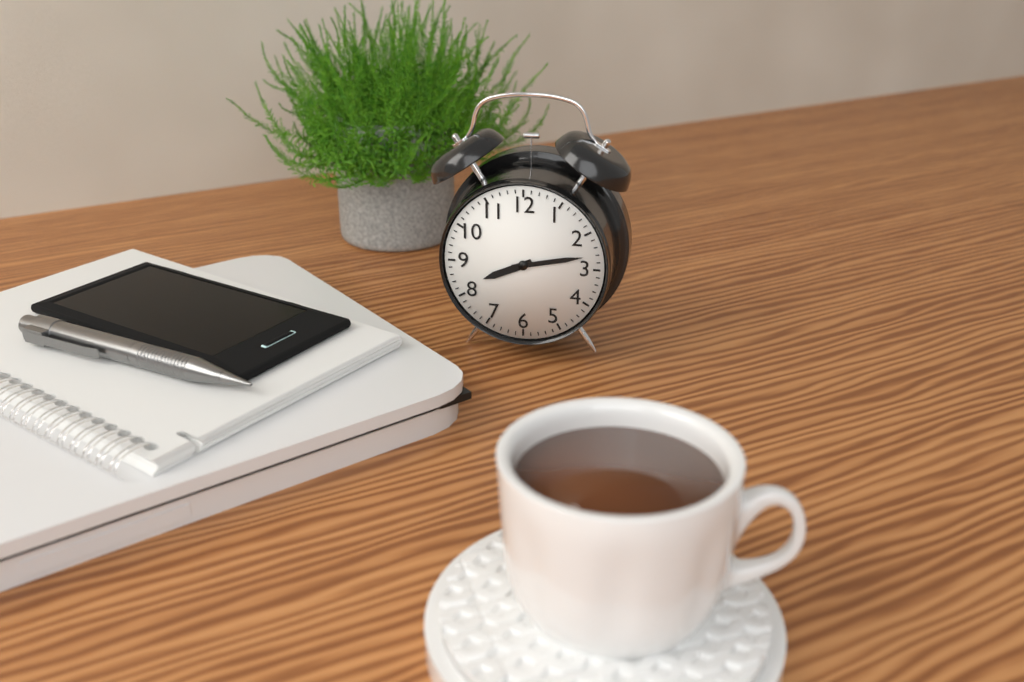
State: 8 h 13 min
